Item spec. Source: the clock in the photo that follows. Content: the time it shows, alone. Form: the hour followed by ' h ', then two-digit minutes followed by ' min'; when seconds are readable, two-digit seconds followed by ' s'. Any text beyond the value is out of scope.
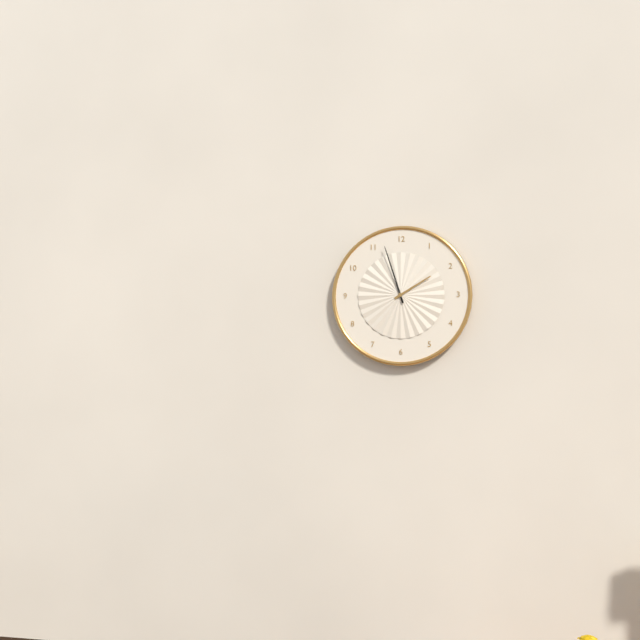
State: 1 h 57 min
